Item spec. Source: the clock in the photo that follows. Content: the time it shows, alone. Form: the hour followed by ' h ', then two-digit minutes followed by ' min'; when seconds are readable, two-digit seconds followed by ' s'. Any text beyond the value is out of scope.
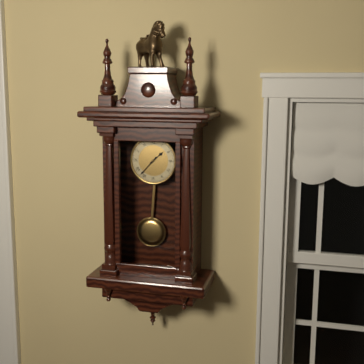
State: 1 h 37 min
